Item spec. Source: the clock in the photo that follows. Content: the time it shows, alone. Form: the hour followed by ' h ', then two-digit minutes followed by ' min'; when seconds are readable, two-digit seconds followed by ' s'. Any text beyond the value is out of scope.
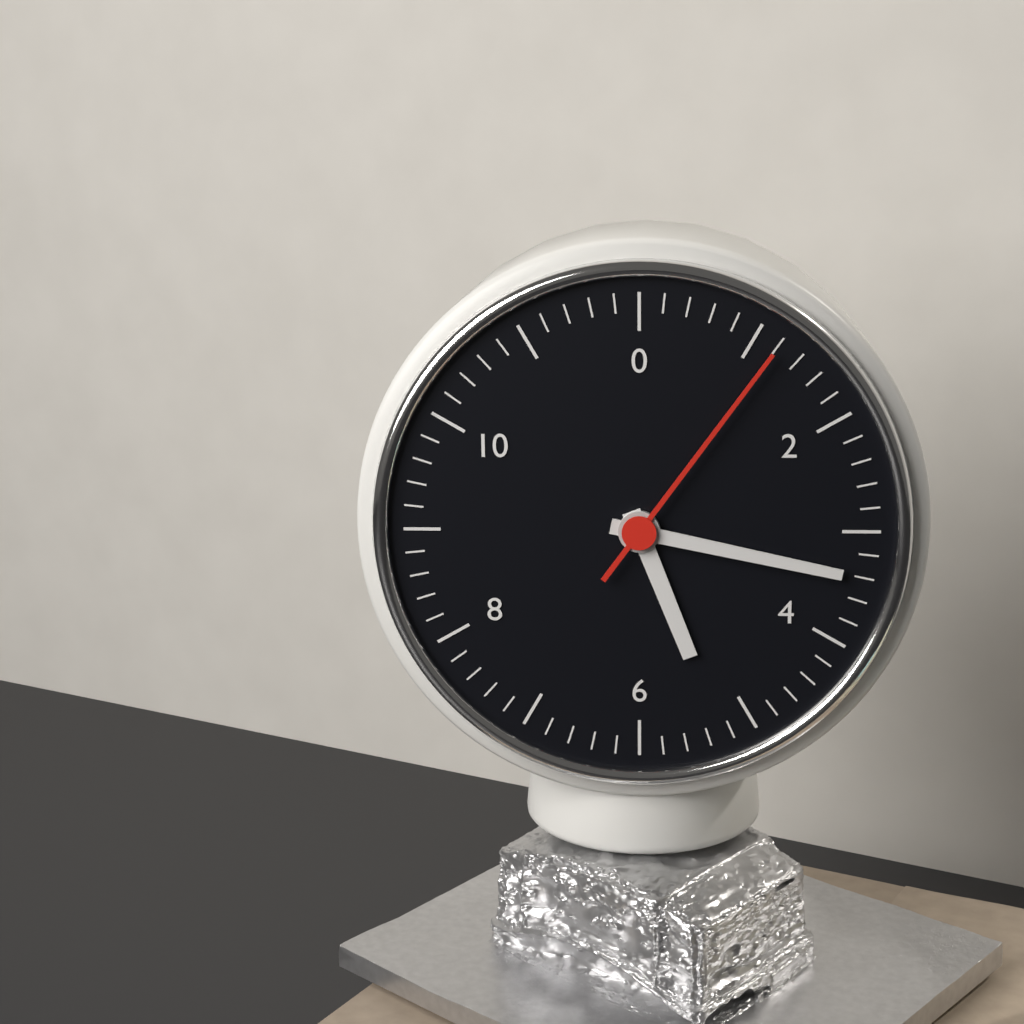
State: 5 h 17 min 06 s
